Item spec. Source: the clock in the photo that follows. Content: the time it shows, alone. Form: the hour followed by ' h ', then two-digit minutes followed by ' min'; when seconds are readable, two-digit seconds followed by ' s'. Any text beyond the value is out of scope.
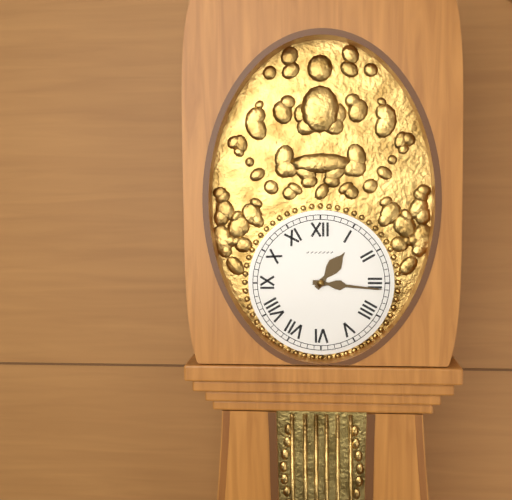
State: 1 h 16 min
